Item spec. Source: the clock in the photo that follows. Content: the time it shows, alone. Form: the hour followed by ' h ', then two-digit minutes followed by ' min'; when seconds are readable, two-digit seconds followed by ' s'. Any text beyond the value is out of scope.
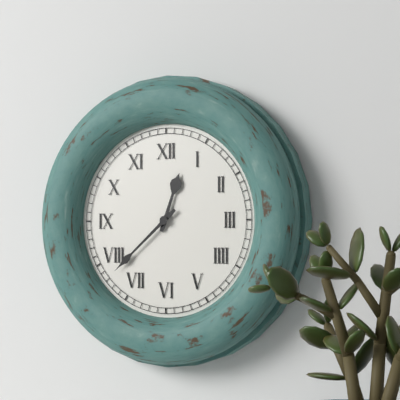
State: 12 h 38 min
